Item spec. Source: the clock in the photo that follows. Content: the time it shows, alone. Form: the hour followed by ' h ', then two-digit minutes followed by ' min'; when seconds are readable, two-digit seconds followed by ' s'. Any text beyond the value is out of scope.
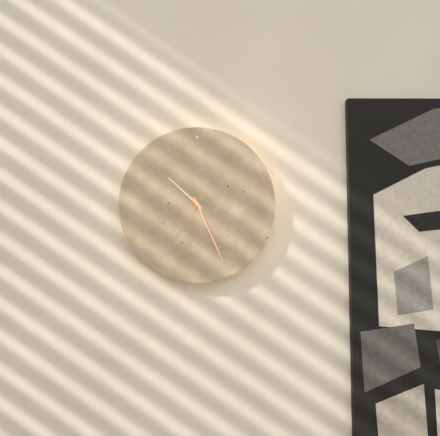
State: 10 h 26 min 36 s
